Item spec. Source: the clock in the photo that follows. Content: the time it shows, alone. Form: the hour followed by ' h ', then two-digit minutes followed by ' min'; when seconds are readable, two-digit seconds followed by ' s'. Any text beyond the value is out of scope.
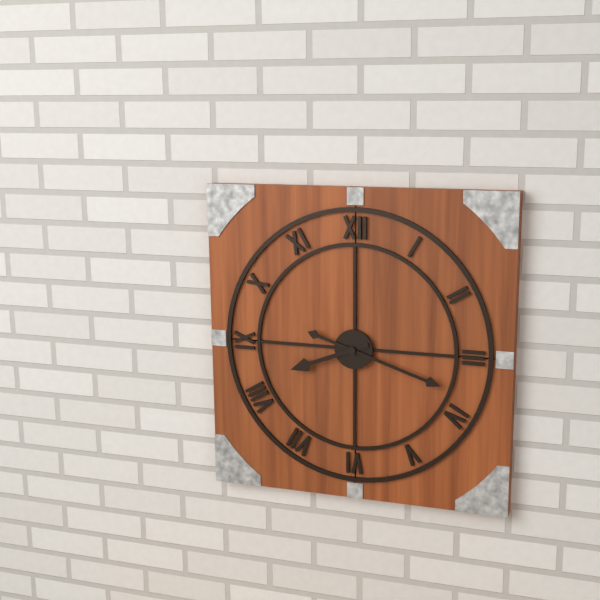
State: 8 h 18 min
